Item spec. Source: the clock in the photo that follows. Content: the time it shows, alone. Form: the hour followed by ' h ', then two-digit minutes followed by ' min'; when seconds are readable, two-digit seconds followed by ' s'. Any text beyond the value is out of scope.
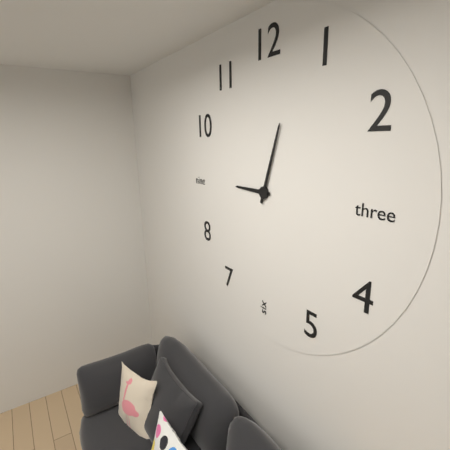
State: 9 h 03 min
